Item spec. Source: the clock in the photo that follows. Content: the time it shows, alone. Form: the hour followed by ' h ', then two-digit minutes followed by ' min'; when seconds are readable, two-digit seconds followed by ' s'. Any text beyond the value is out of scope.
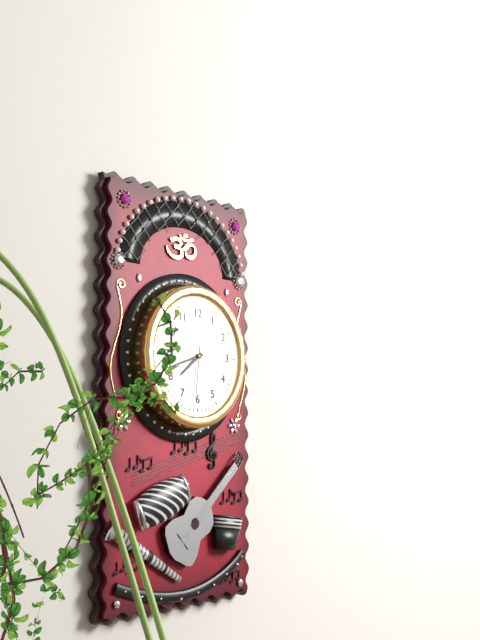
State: 7 h 42 min 31 s
